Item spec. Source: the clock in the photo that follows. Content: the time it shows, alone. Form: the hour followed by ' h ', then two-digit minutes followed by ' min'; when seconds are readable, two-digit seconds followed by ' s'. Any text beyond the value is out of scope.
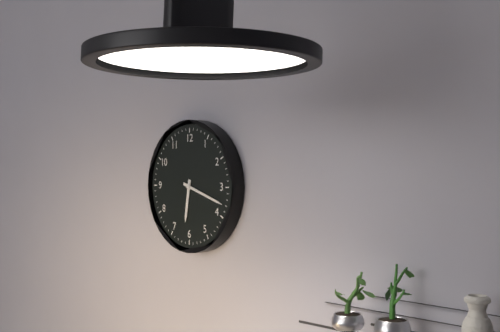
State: 6 h 18 min
